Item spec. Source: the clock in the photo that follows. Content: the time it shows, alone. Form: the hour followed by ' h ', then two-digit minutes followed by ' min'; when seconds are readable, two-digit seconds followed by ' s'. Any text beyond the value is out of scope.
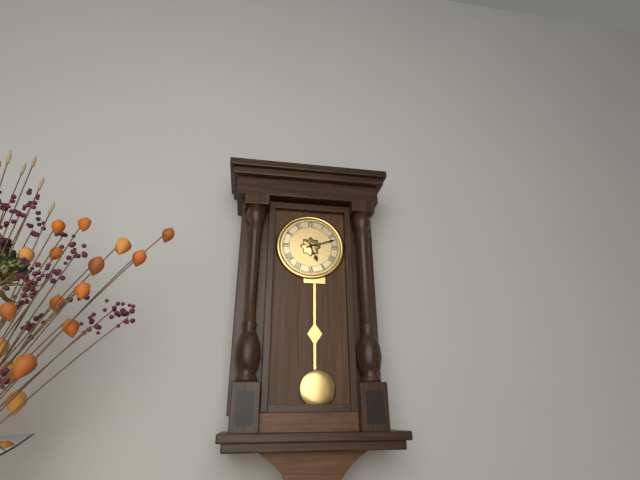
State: 5 h 12 min
